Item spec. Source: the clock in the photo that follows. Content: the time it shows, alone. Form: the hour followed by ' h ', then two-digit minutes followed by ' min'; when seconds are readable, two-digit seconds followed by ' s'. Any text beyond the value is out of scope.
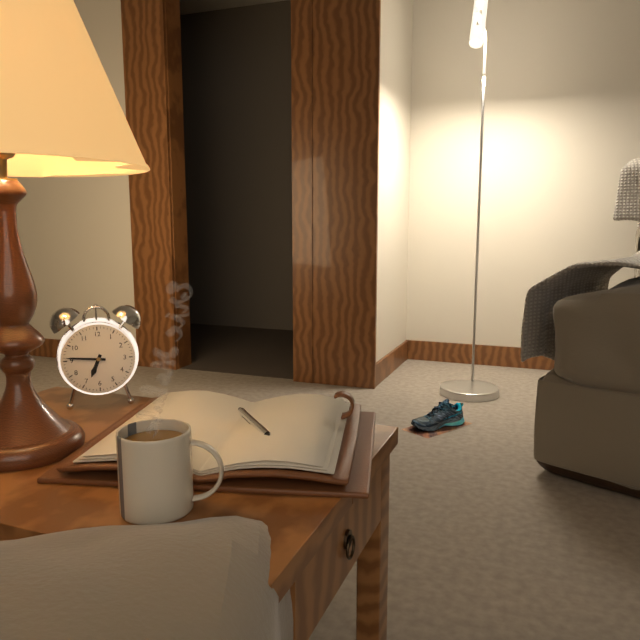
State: 6 h 46 min
